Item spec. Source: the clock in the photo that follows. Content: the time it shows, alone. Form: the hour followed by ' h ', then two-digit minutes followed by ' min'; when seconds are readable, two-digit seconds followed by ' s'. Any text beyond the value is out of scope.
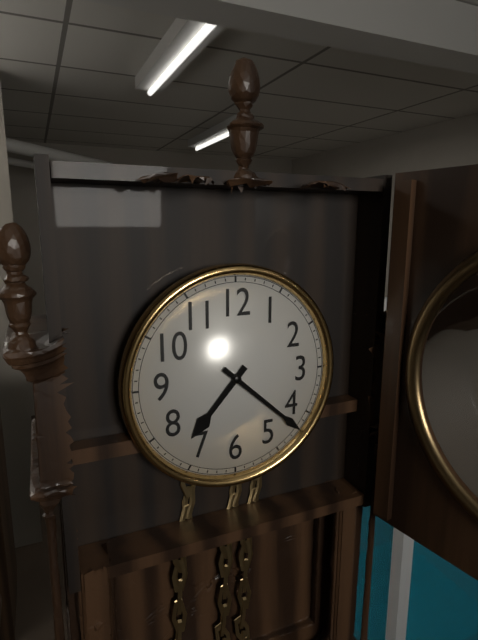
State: 7 h 22 min
